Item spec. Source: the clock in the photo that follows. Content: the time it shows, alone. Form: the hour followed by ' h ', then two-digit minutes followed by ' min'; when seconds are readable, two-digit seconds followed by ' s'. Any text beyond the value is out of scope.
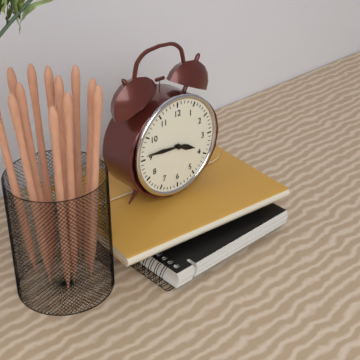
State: 3 h 46 min
